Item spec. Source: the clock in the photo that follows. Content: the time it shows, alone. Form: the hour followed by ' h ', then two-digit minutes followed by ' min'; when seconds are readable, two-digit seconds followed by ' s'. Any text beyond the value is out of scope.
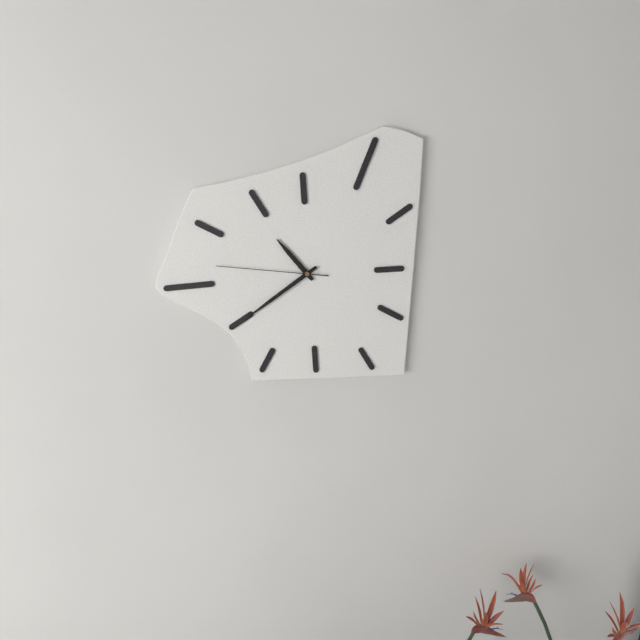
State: 10 h 39 min 46 s
